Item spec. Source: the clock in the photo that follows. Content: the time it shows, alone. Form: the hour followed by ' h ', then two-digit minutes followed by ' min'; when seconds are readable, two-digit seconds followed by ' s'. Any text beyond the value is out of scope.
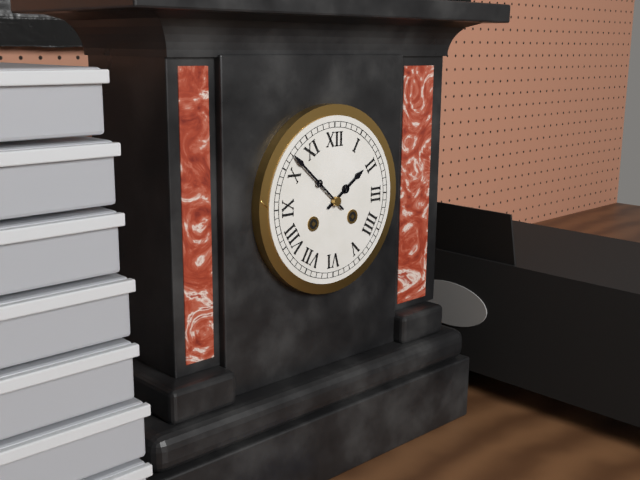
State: 1 h 52 min
